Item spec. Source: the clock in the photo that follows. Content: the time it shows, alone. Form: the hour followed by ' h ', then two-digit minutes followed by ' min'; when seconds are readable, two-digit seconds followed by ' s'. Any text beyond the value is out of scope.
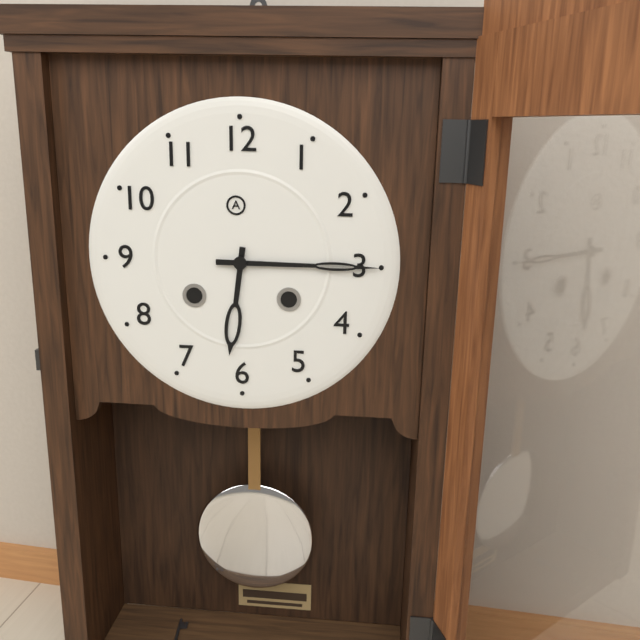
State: 6 h 15 min
